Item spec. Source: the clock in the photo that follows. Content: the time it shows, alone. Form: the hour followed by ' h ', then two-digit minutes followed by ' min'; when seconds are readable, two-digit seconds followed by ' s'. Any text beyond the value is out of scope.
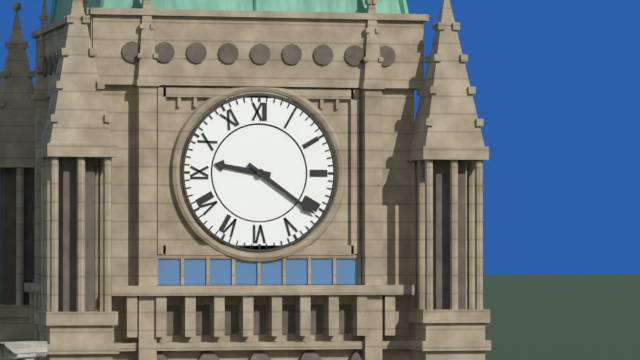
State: 9 h 21 min
